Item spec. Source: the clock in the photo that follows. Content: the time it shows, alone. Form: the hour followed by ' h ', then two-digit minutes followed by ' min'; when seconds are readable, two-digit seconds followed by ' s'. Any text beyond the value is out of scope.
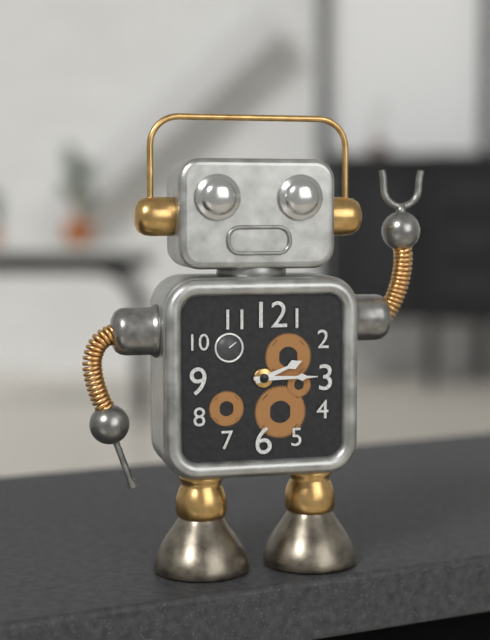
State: 2 h 15 min
